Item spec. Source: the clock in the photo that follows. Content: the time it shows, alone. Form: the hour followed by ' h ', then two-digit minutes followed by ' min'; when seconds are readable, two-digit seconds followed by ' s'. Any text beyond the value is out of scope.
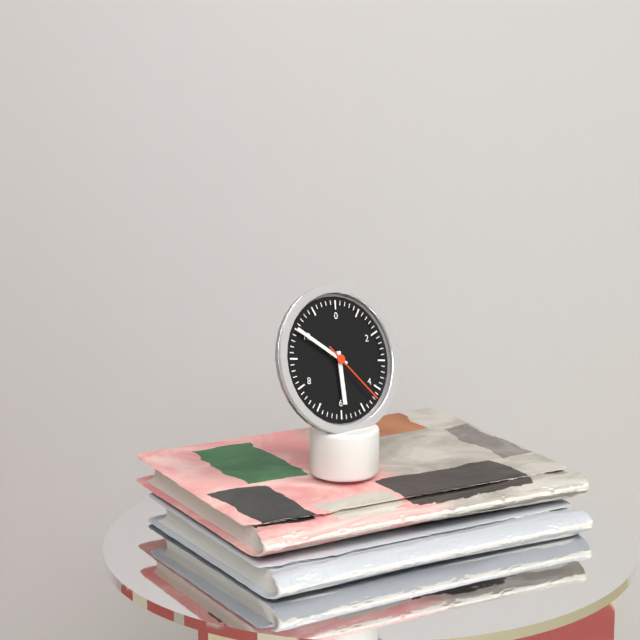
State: 5 h 50 min 22 s
